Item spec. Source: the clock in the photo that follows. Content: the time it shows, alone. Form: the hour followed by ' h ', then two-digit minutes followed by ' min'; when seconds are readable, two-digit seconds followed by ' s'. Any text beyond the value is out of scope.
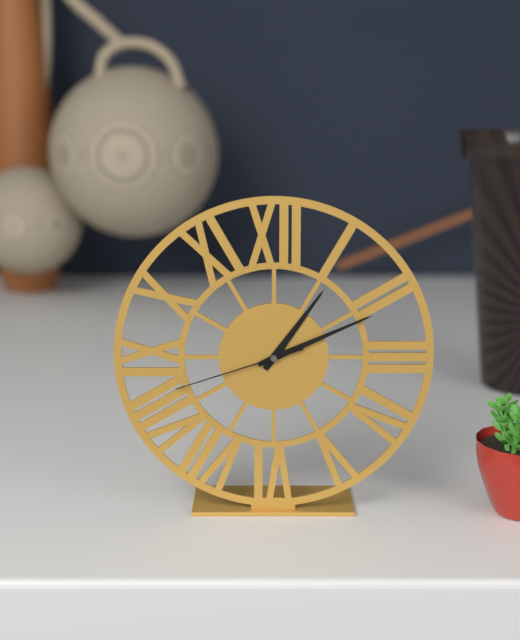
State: 1 h 11 min 42 s
